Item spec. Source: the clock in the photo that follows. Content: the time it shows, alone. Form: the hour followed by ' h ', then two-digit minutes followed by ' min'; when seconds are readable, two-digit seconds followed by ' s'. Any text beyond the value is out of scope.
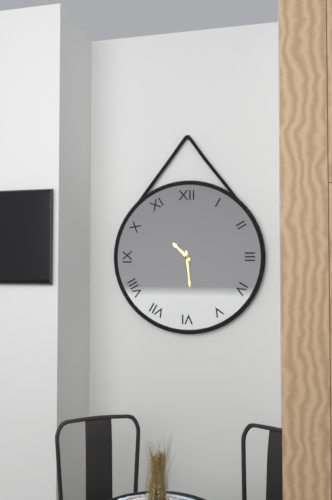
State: 10 h 29 min
